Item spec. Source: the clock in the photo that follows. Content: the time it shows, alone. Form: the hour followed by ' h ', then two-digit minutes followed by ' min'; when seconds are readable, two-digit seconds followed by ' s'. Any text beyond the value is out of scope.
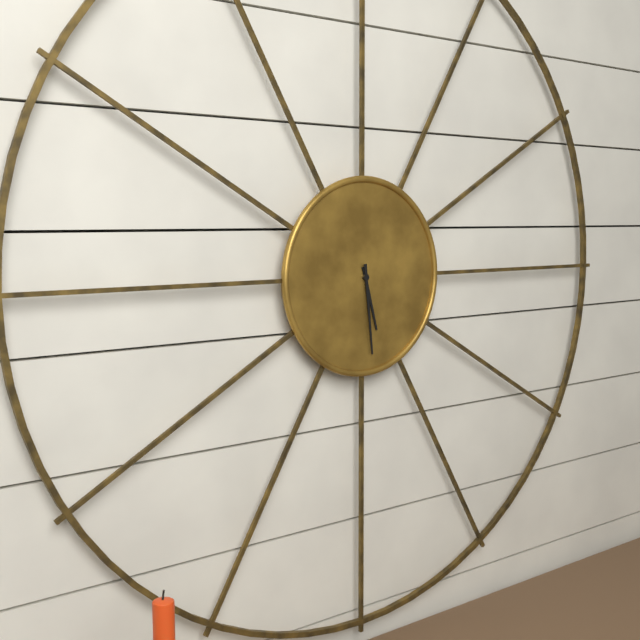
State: 5 h 29 min
